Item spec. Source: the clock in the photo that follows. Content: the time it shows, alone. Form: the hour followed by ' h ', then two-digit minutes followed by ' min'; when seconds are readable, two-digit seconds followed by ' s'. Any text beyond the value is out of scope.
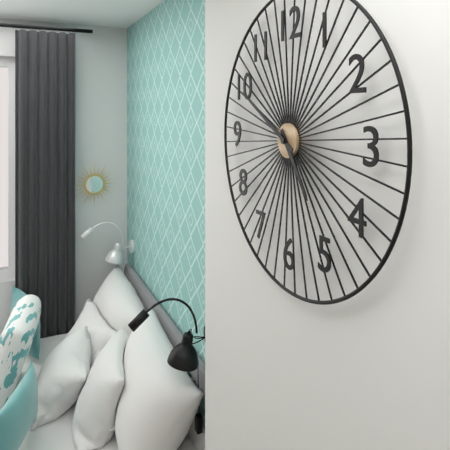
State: 4 h 50 min
